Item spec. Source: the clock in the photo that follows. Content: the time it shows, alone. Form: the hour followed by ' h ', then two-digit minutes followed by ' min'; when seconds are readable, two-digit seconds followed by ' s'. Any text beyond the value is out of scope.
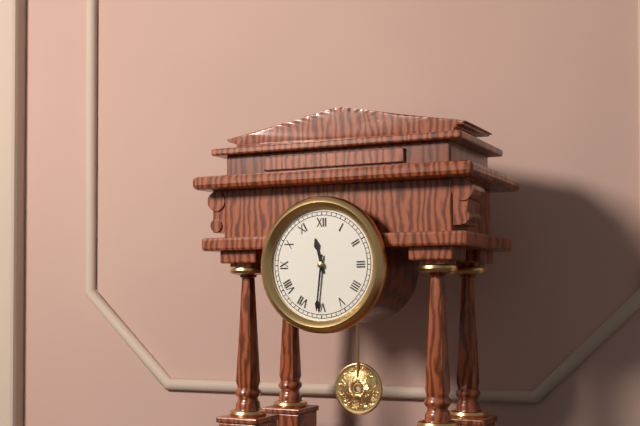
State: 11 h 31 min
